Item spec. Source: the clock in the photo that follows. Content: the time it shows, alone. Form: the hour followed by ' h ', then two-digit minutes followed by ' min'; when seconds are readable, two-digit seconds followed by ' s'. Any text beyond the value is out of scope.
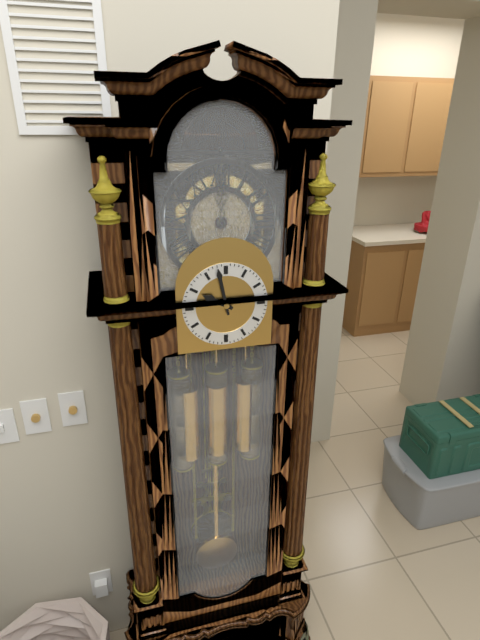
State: 9 h 58 min
